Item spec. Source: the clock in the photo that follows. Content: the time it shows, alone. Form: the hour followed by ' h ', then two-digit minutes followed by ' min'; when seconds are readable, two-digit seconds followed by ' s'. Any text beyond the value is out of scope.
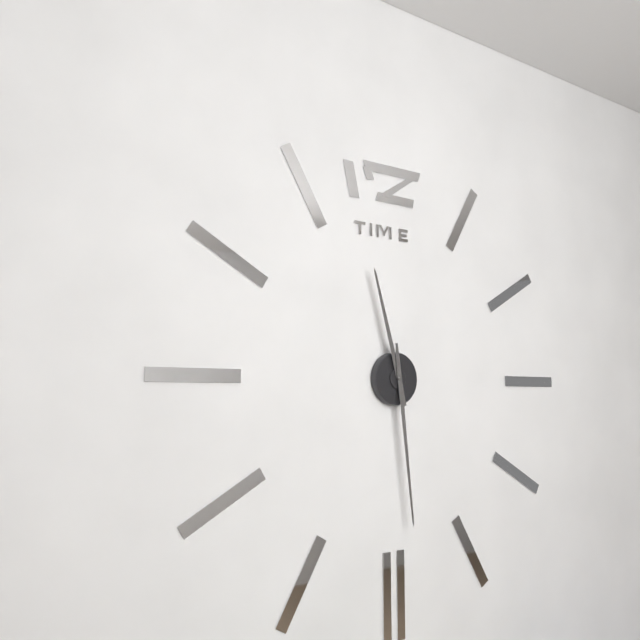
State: 11 h 29 min
